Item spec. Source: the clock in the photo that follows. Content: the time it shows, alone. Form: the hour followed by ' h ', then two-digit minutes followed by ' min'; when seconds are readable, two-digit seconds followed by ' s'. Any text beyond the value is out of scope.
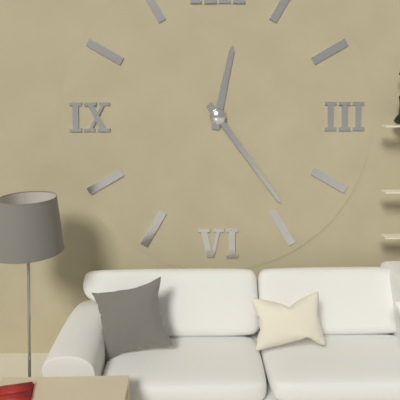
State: 12 h 24 min
